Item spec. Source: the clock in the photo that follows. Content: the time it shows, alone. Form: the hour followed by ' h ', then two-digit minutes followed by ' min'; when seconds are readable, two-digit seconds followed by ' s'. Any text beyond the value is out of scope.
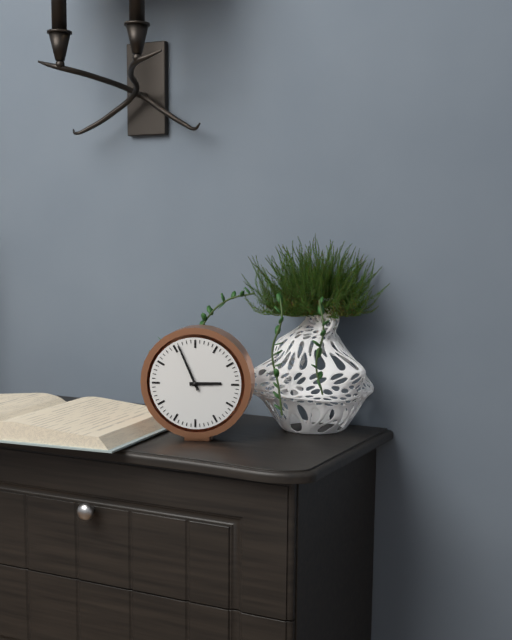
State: 2 h 56 min
